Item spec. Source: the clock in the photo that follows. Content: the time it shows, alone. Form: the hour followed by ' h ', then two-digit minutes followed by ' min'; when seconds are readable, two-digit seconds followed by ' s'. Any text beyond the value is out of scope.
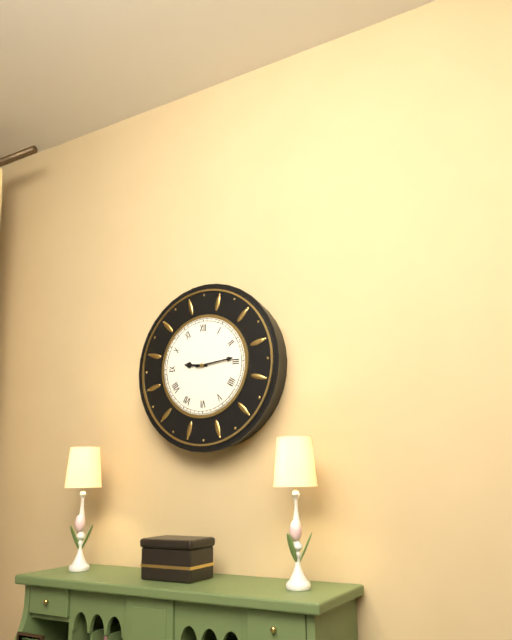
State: 9 h 14 min
